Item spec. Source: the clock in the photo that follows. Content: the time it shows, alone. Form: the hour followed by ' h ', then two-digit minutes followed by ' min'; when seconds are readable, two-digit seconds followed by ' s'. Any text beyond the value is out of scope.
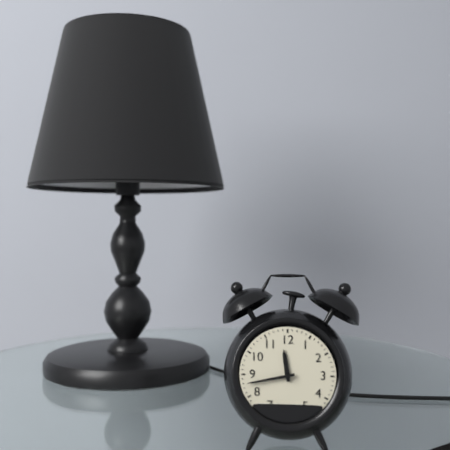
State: 11 h 43 min
